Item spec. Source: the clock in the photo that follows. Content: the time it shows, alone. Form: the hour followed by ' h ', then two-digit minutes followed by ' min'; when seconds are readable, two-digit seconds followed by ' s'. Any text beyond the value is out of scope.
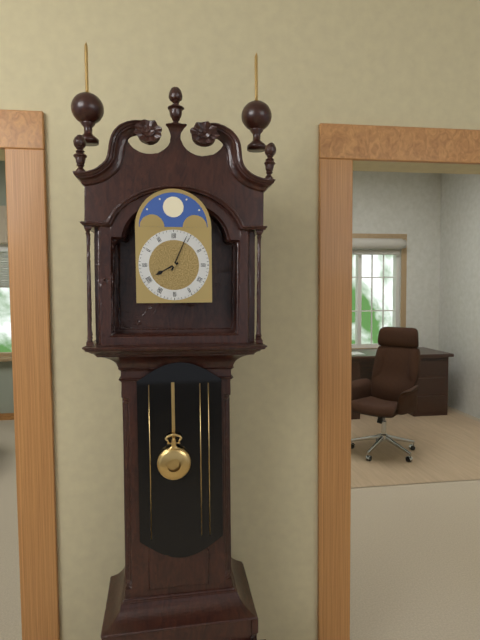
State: 8 h 04 min
